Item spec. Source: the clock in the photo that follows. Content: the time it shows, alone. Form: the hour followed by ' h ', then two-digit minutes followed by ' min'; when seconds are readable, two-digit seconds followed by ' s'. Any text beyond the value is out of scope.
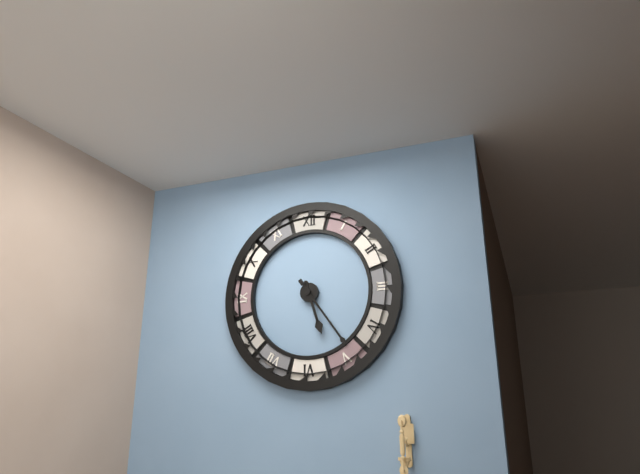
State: 5 h 24 min
